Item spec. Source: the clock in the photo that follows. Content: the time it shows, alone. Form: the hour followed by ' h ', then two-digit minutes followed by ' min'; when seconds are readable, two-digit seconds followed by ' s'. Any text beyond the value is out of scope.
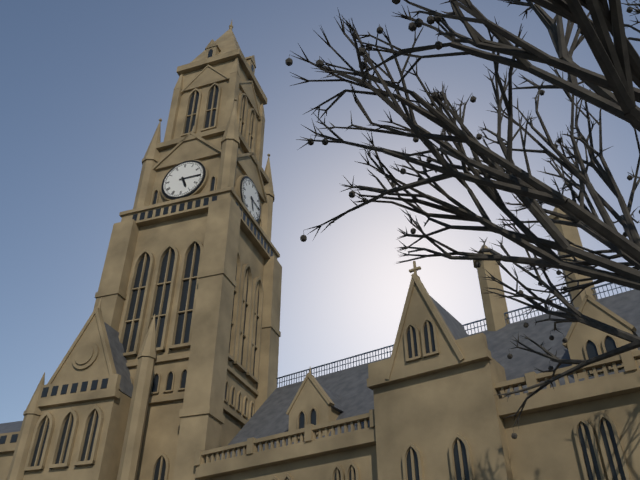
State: 5 h 15 min
